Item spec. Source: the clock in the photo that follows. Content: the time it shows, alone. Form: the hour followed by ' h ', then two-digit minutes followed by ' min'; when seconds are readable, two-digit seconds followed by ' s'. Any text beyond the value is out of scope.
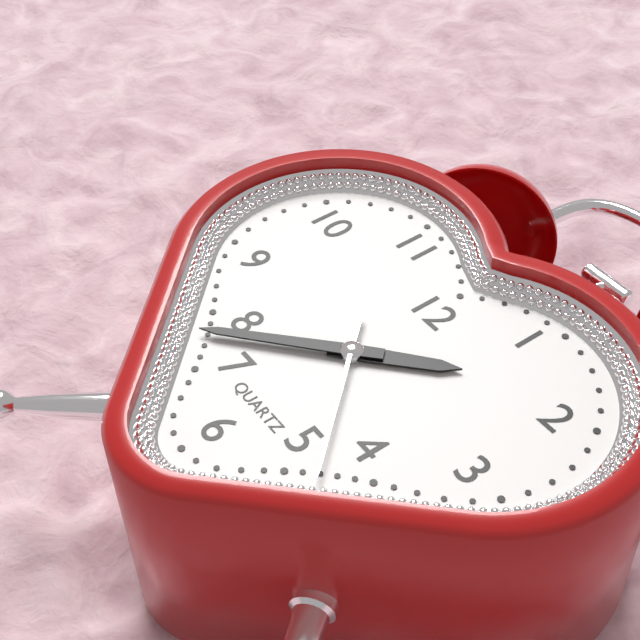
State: 1 h 38 min 23 s
